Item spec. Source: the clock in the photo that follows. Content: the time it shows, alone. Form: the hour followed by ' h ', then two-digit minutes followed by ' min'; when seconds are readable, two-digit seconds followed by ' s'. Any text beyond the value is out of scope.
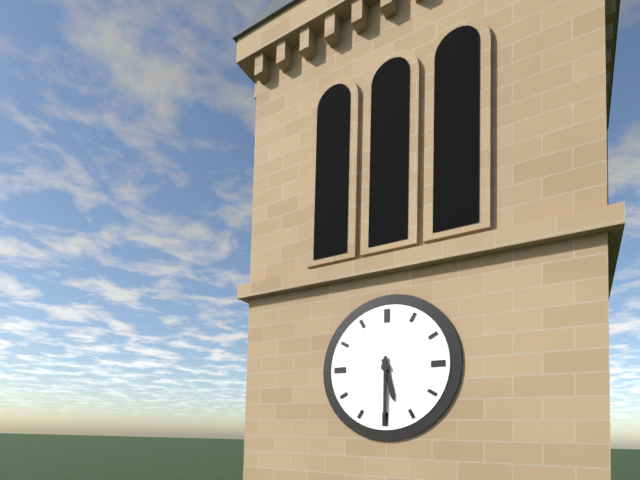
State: 5 h 30 min
